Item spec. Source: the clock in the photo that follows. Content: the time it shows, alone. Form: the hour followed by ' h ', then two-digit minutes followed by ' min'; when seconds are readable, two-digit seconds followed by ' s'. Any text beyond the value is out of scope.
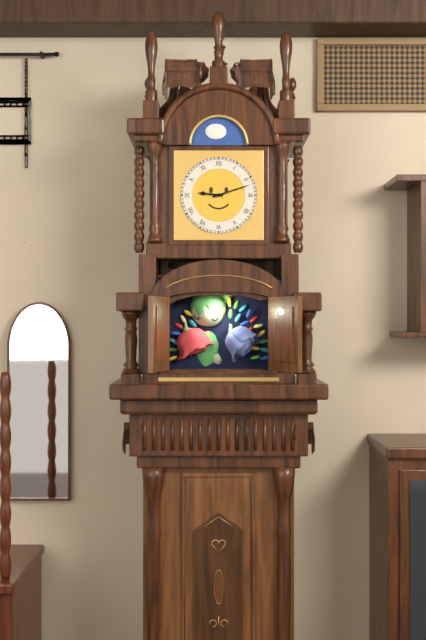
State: 9 h 12 min
